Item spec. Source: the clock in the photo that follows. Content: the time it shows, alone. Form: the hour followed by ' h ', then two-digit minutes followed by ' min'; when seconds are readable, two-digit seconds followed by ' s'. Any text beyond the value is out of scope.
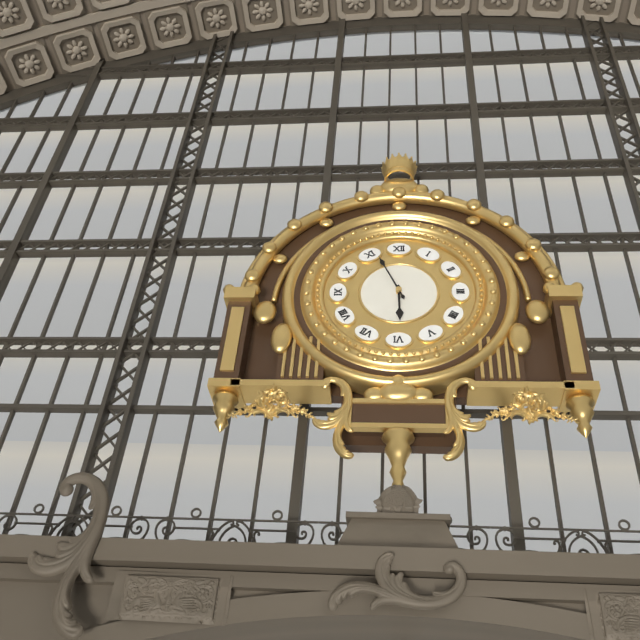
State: 5 h 56 min
